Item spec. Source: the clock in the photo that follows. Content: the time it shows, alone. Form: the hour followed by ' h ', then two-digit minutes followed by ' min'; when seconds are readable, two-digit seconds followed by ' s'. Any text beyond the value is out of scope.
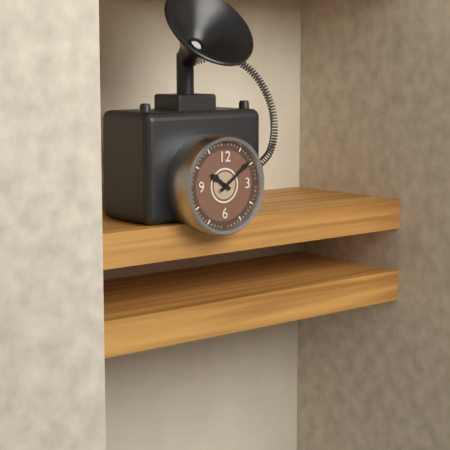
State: 10 h 09 min
